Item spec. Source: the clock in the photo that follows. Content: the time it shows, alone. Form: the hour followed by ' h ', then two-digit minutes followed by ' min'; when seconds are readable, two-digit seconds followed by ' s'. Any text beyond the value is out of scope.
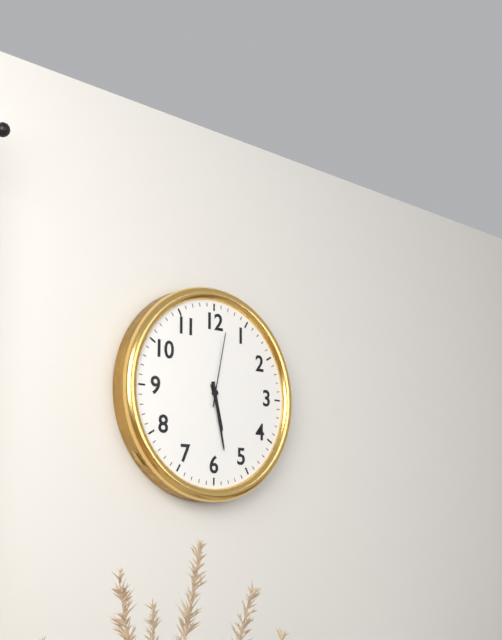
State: 5 h 28 min 02 s
